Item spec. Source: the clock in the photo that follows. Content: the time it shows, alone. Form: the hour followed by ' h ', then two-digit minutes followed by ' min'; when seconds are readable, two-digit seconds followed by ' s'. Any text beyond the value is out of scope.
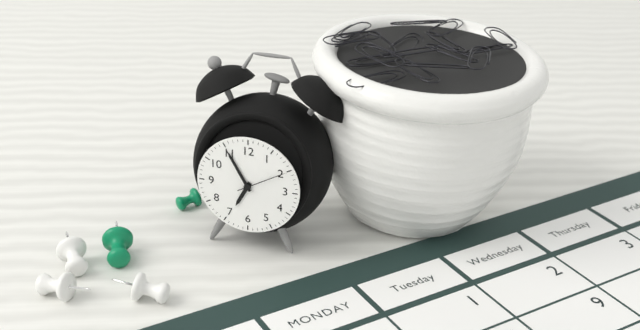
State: 6 h 55 min 10 s
